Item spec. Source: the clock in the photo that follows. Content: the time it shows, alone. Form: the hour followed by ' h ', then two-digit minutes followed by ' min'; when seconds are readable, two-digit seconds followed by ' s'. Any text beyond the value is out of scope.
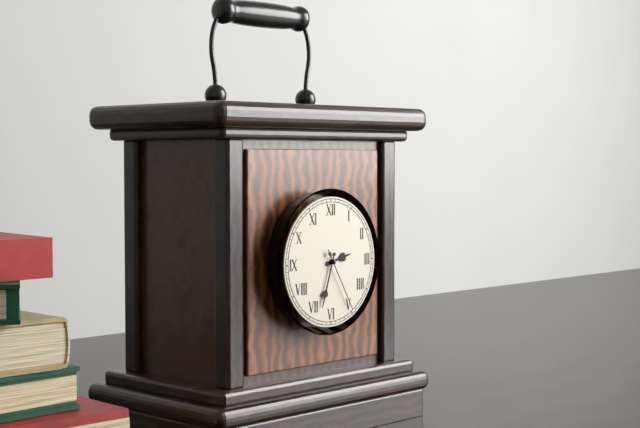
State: 2 h 33 min 25 s
